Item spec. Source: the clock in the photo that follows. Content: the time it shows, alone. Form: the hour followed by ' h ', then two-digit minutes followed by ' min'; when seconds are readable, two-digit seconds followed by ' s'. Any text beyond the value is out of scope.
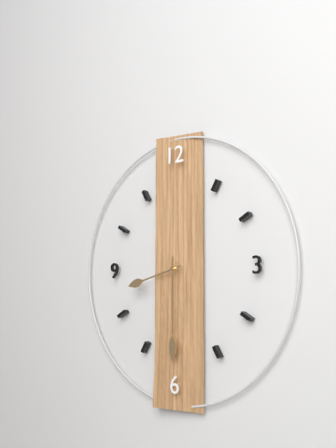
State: 8 h 30 min
